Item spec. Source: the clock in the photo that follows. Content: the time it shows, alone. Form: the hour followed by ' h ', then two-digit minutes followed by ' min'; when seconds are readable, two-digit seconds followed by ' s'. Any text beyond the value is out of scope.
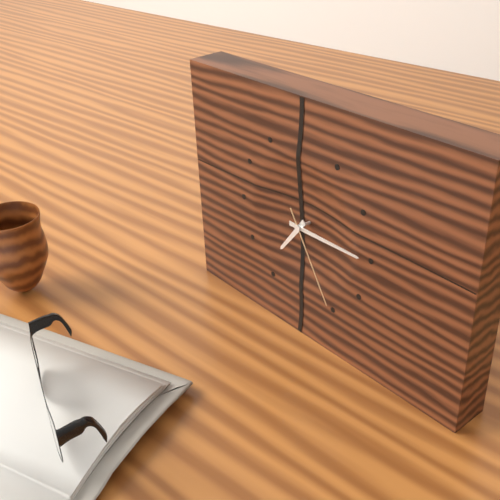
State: 7 h 15 min 25 s
